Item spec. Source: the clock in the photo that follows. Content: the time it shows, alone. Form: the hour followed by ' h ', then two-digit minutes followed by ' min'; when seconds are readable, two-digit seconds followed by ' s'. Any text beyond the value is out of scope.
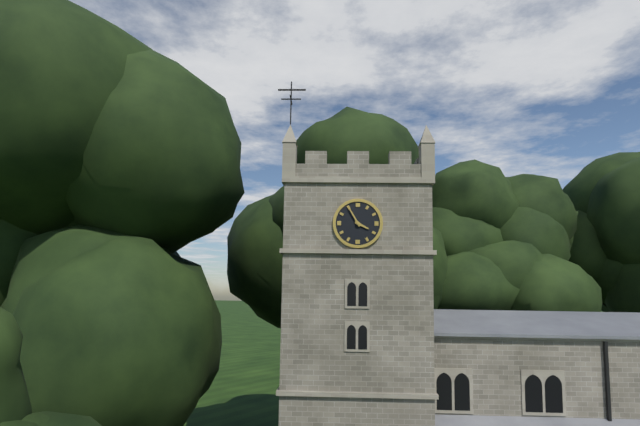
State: 3 h 55 min
